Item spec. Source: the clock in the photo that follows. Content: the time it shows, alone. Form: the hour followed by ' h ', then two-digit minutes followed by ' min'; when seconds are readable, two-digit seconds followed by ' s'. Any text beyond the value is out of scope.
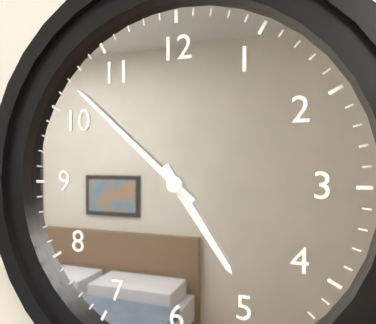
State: 4 h 52 min
